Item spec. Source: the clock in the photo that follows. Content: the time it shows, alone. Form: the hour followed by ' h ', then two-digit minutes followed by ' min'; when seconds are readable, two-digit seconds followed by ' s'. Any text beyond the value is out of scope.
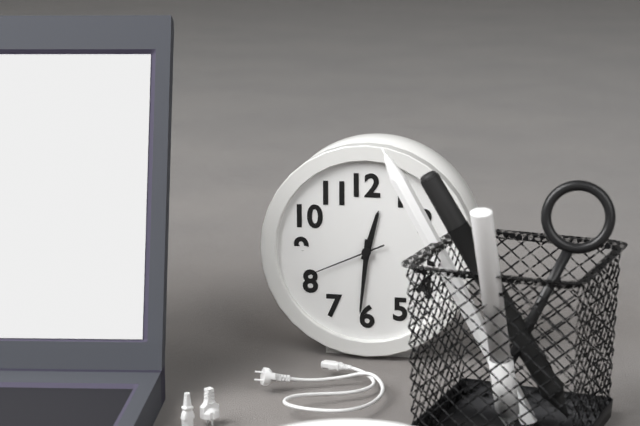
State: 12 h 31 min 41 s
